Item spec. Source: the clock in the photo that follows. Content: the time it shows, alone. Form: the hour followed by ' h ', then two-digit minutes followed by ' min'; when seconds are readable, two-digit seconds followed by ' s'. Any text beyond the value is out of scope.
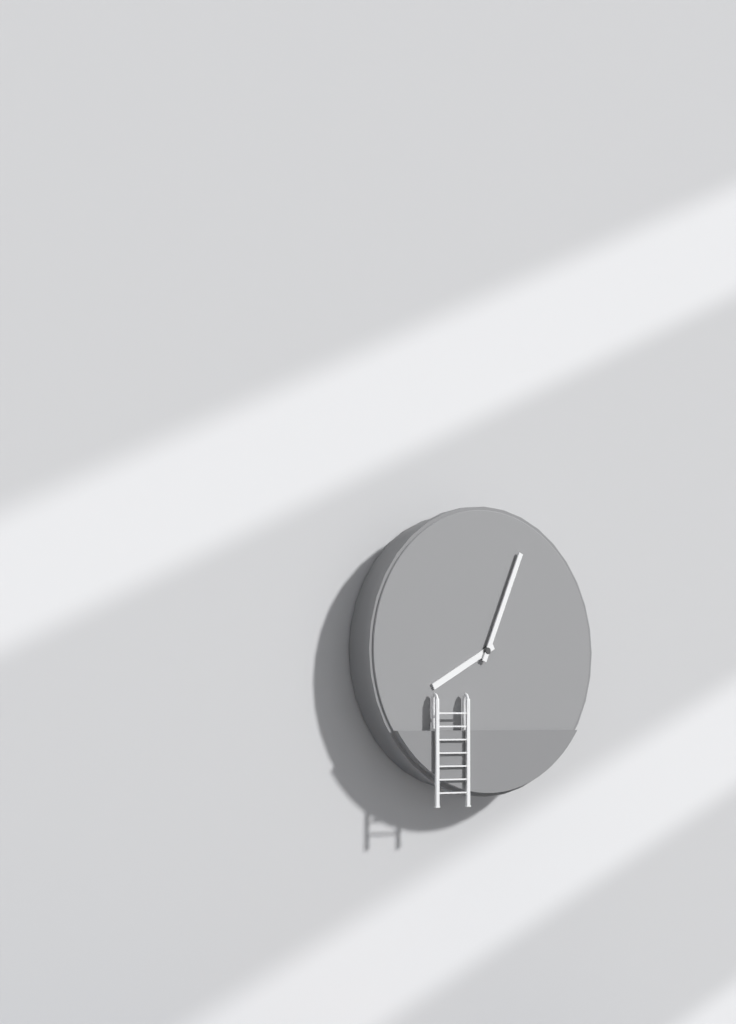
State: 8 h 04 min
